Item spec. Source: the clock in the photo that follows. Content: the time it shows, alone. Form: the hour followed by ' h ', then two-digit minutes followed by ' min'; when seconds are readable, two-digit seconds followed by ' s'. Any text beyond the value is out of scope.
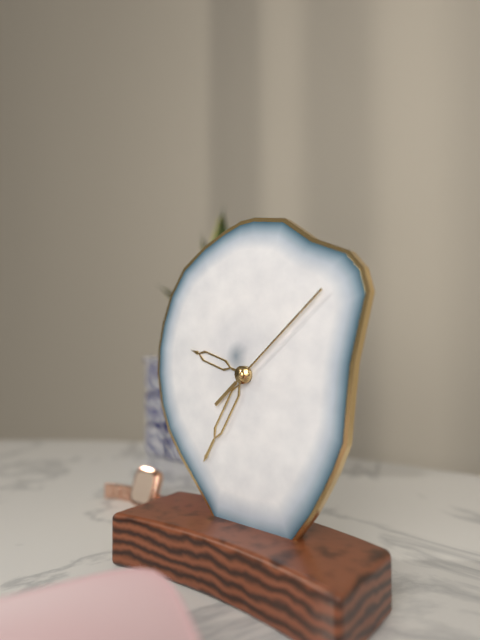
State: 9 h 35 min 08 s
